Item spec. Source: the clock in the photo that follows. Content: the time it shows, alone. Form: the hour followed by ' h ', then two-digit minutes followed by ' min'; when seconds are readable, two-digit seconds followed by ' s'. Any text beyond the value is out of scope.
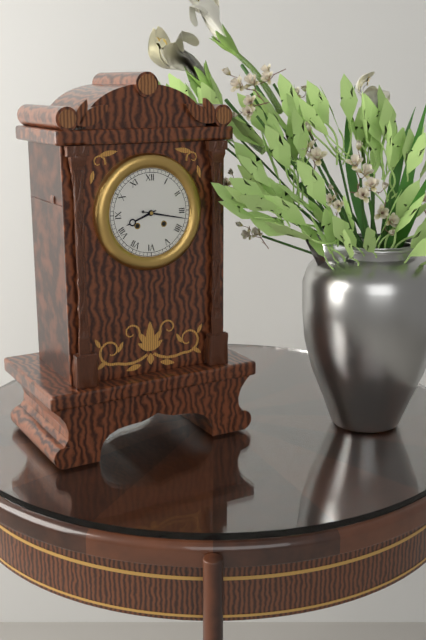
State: 8 h 17 min
